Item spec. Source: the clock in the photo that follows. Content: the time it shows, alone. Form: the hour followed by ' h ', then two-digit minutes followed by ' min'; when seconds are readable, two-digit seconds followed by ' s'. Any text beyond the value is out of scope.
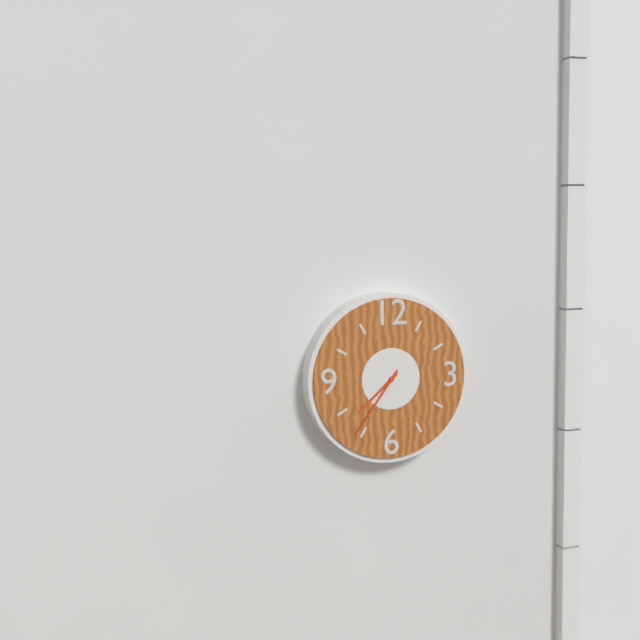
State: 7 h 36 min
